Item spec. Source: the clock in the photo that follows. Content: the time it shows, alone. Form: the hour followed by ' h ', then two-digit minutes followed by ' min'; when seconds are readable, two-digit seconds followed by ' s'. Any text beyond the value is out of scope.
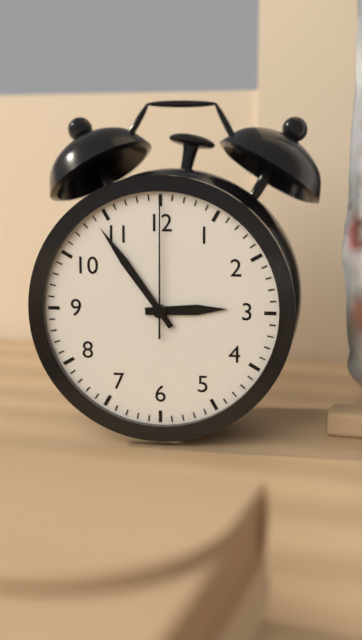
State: 2 h 54 min 00 s
